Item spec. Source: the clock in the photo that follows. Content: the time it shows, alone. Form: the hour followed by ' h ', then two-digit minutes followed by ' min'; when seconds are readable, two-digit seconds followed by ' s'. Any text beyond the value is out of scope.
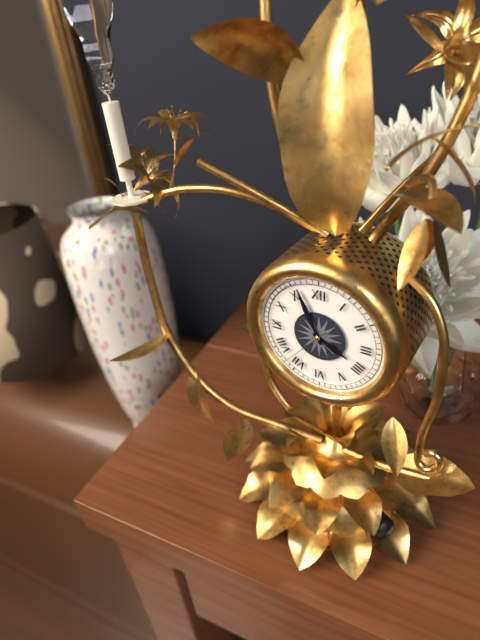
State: 3 h 56 min 37 s
